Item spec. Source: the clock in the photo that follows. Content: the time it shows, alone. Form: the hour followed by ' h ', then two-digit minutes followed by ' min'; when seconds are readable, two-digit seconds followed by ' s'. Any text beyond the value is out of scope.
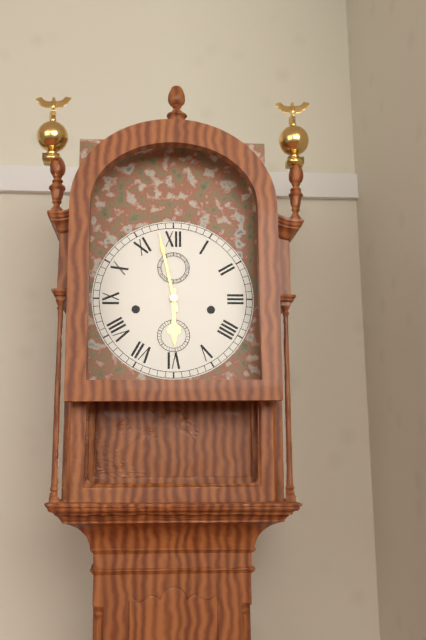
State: 5 h 58 min
